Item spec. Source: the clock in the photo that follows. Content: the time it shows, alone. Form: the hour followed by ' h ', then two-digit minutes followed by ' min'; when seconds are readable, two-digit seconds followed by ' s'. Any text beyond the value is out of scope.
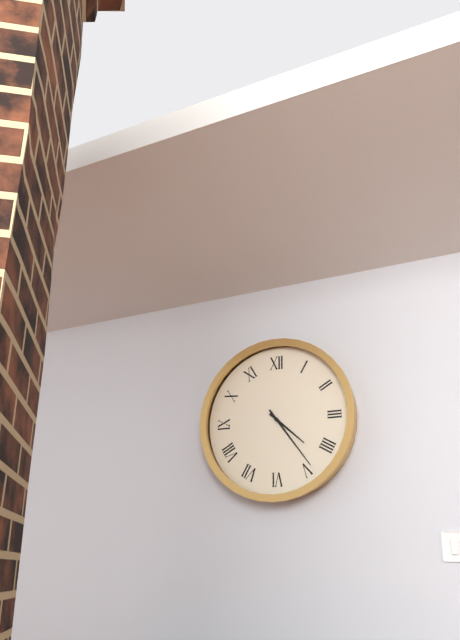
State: 4 h 24 min
